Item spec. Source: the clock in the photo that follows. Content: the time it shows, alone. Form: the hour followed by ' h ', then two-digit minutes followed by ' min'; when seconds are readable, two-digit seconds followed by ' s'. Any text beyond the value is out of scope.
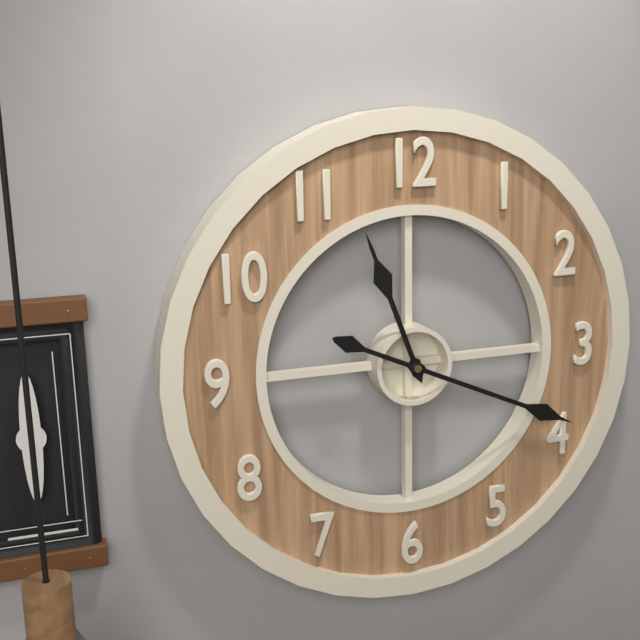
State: 11 h 19 min
